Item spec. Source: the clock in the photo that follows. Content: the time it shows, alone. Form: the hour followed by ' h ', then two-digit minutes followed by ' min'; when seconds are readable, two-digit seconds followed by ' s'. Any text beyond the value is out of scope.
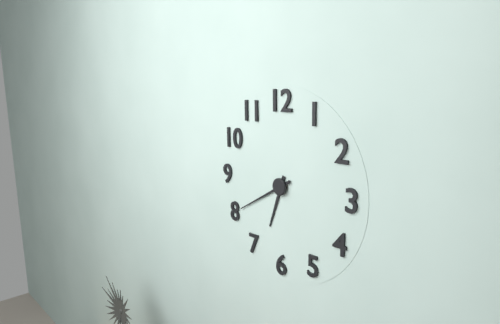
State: 6 h 40 min
